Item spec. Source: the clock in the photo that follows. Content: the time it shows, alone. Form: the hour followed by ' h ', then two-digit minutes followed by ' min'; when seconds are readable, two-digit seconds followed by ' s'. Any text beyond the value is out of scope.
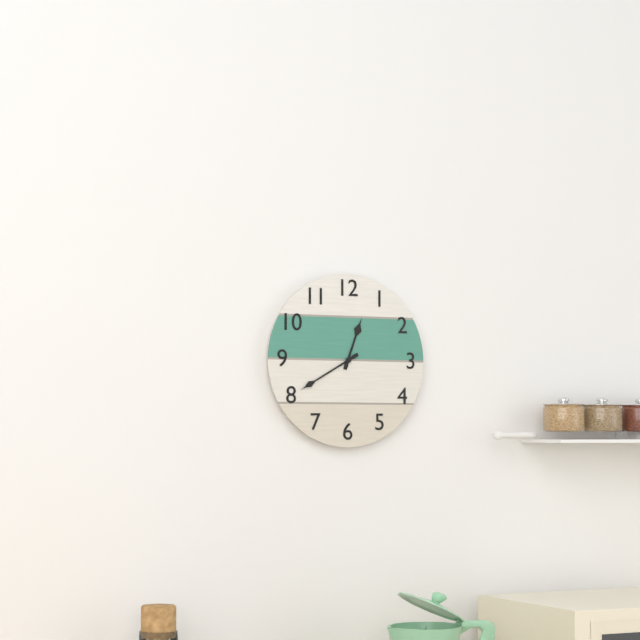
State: 12 h 40 min
